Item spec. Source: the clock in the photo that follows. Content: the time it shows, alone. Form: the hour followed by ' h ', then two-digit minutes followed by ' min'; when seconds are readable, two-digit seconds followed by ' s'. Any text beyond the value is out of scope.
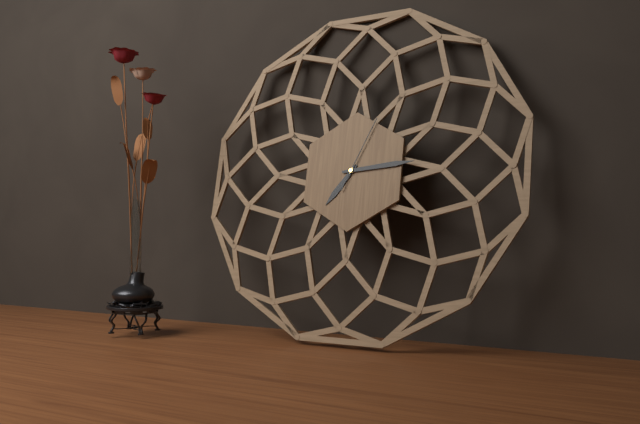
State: 7 h 14 min 04 s
